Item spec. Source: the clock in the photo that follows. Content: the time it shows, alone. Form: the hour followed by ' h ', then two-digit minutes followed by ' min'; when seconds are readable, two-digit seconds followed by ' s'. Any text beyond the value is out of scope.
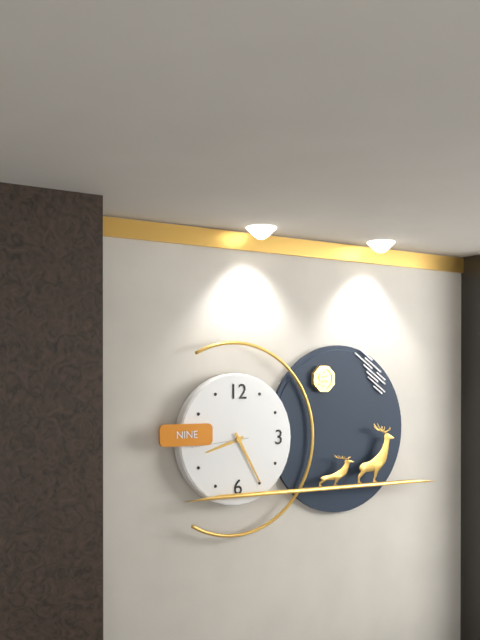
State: 8 h 25 min 44 s
